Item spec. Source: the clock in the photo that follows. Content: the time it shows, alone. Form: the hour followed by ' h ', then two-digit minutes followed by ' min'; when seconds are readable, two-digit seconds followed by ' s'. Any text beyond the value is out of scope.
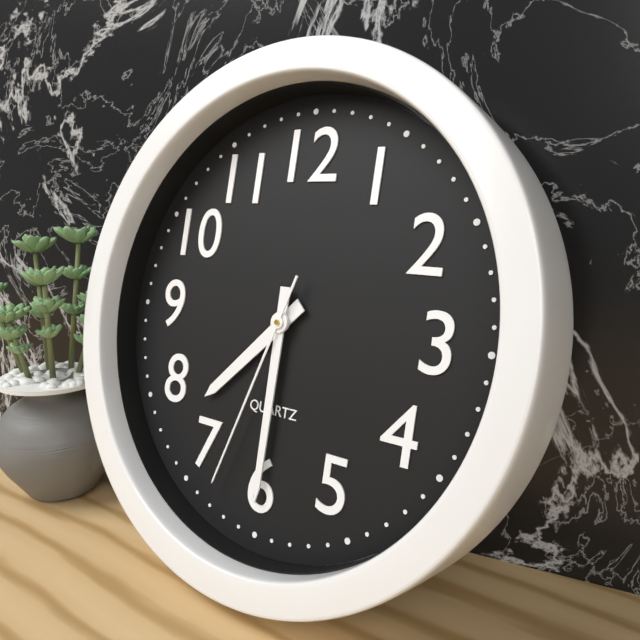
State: 7 h 30 min 33 s
